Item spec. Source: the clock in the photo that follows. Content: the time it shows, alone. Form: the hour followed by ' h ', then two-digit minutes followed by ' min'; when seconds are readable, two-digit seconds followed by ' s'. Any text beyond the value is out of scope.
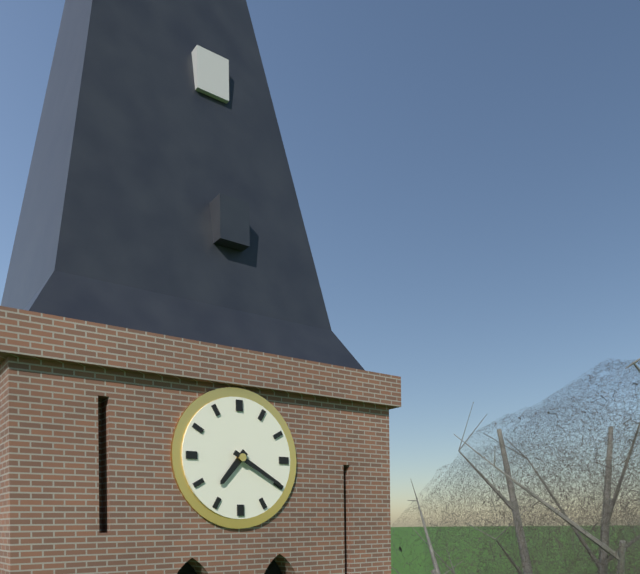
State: 7 h 20 min
